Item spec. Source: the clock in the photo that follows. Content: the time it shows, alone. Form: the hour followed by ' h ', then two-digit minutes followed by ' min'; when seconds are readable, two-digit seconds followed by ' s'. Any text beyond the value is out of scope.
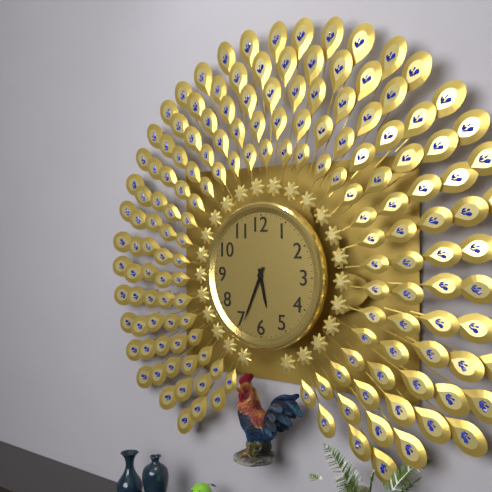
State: 5 h 34 min
